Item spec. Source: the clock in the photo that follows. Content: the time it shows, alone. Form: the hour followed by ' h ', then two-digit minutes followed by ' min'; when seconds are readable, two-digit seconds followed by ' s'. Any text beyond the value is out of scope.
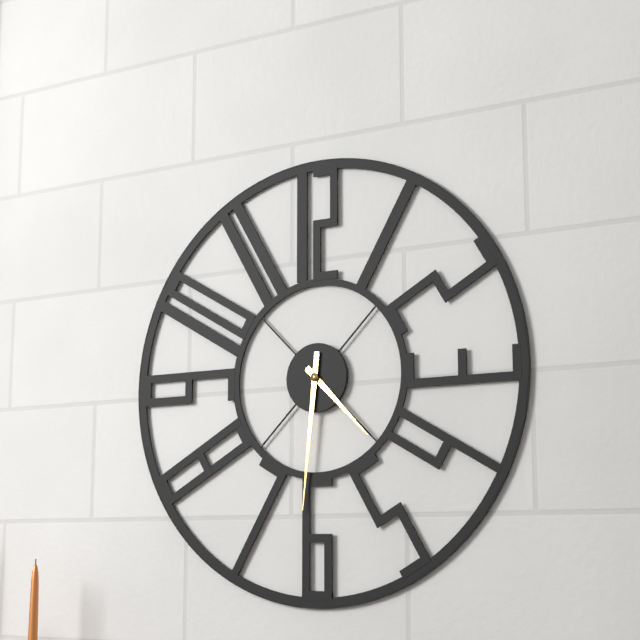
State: 4 h 31 min
